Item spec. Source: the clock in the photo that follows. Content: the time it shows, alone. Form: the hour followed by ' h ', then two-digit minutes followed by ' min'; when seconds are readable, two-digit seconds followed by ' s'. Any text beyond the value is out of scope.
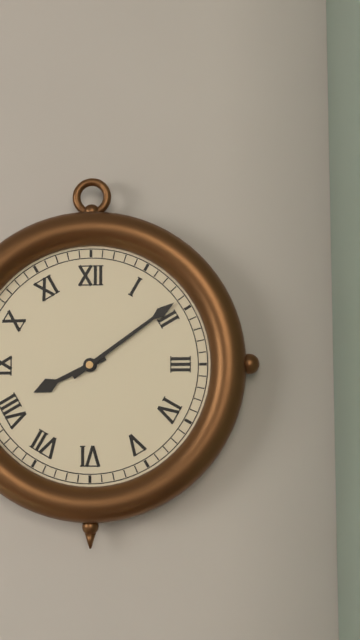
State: 8 h 09 min
